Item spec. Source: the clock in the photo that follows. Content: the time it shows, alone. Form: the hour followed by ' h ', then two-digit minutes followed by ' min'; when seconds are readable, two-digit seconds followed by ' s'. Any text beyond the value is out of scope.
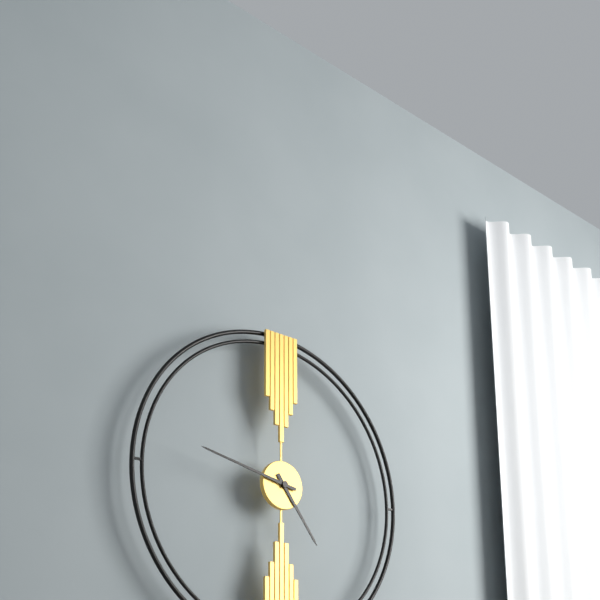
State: 4 h 47 min
